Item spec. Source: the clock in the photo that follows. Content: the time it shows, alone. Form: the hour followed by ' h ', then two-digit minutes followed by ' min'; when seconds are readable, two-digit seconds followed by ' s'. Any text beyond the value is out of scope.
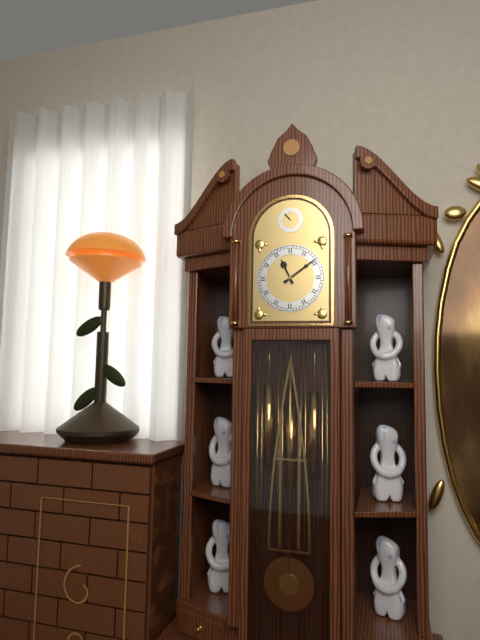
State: 11 h 09 min
